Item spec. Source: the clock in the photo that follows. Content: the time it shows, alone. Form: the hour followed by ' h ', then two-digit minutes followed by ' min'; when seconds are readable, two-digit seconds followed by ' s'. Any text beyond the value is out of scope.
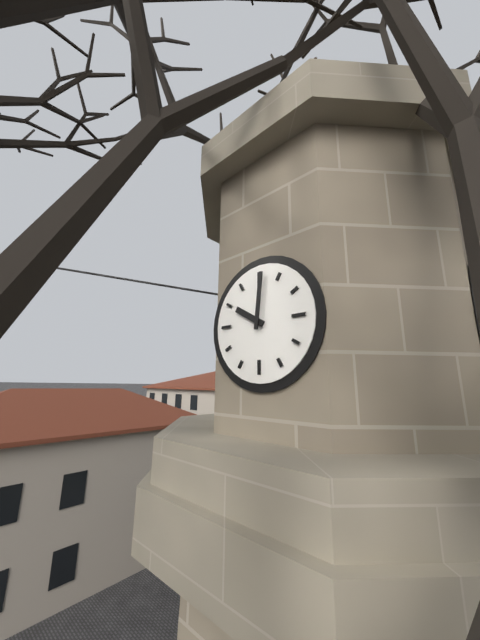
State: 10 h 01 min
